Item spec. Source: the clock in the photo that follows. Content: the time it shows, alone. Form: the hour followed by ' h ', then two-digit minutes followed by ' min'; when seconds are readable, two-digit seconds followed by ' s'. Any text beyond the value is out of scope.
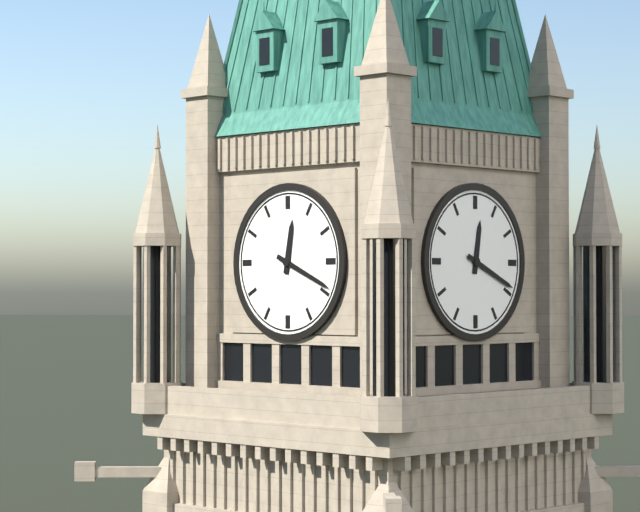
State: 12 h 19 min
